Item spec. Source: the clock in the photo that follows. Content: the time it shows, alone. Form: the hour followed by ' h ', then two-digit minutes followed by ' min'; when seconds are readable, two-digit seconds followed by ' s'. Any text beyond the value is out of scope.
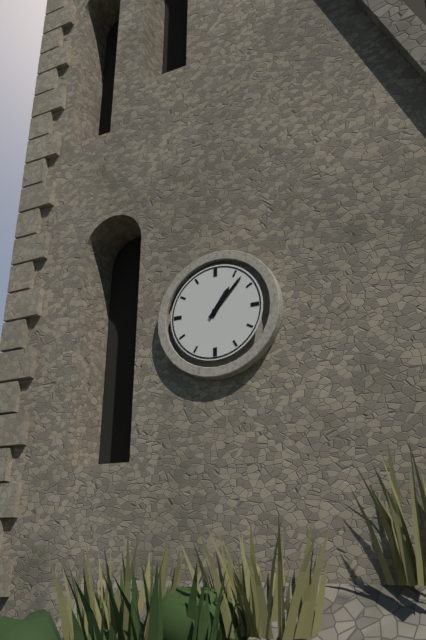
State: 1 h 07 min
